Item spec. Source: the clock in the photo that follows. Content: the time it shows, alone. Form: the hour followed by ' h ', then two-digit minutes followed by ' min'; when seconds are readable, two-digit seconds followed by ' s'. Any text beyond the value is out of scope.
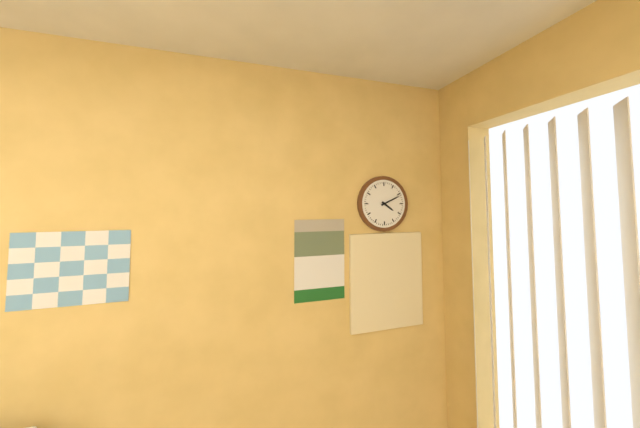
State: 4 h 11 min
